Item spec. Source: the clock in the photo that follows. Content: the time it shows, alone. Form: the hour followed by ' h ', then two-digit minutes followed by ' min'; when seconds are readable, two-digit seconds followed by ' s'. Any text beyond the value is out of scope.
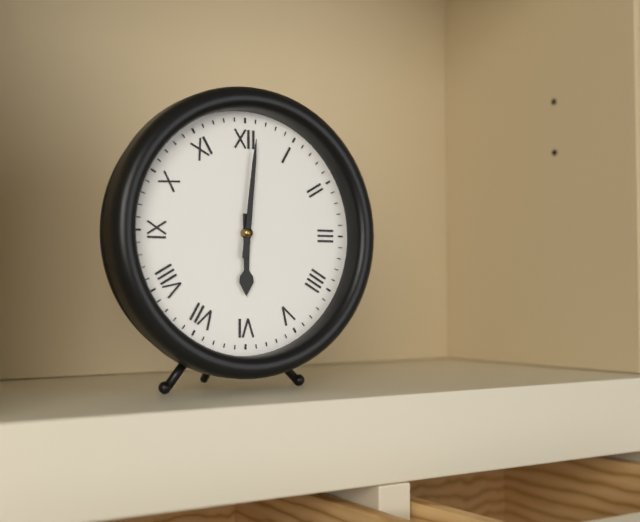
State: 6 h 01 min
